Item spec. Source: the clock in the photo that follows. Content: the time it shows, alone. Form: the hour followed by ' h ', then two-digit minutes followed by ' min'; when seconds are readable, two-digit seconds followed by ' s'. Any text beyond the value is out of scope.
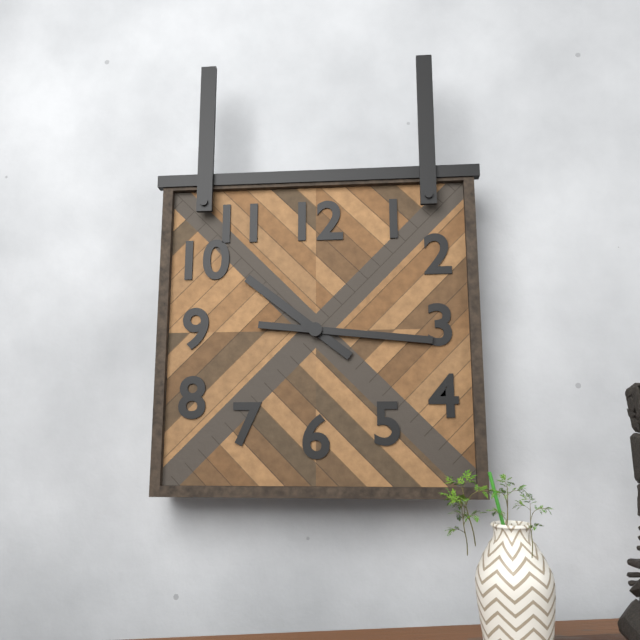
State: 10 h 16 min
